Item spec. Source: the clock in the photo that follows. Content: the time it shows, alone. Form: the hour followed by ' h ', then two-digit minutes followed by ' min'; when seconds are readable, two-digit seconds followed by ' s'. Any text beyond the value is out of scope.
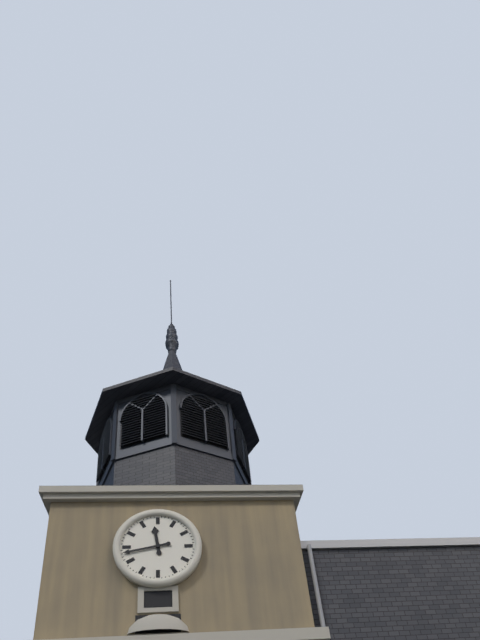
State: 11 h 43 min
